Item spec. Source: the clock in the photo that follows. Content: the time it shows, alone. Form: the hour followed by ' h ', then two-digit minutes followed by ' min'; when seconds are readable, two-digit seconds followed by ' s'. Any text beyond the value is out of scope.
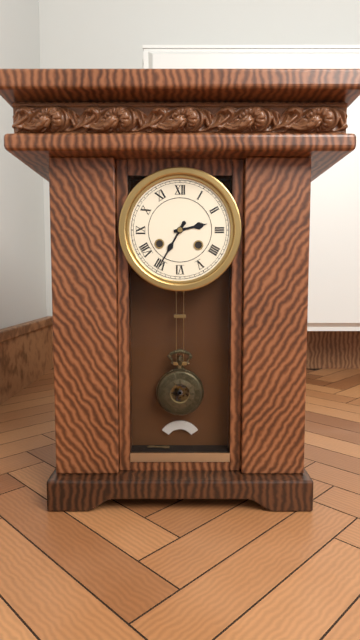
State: 2 h 35 min
